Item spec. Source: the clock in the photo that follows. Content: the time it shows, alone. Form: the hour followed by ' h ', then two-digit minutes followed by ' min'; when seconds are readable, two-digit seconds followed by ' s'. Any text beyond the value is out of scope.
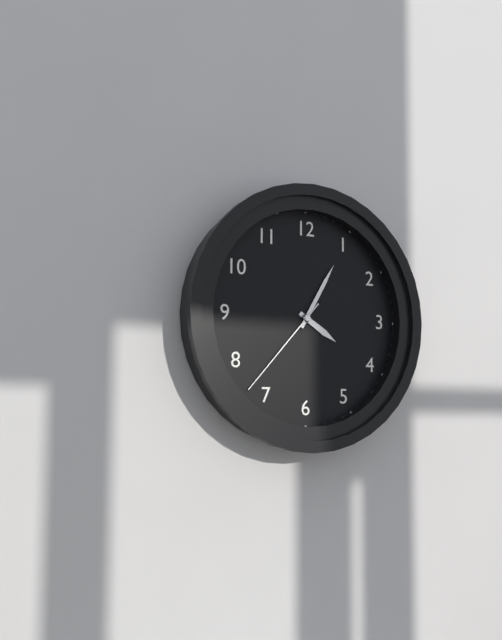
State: 4 h 05 min 37 s
